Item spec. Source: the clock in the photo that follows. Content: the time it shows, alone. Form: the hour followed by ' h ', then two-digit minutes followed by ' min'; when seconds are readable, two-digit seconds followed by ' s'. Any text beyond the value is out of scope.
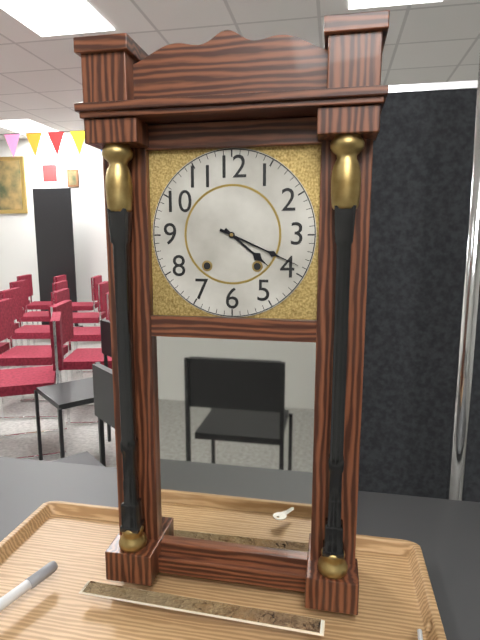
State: 4 h 19 min
